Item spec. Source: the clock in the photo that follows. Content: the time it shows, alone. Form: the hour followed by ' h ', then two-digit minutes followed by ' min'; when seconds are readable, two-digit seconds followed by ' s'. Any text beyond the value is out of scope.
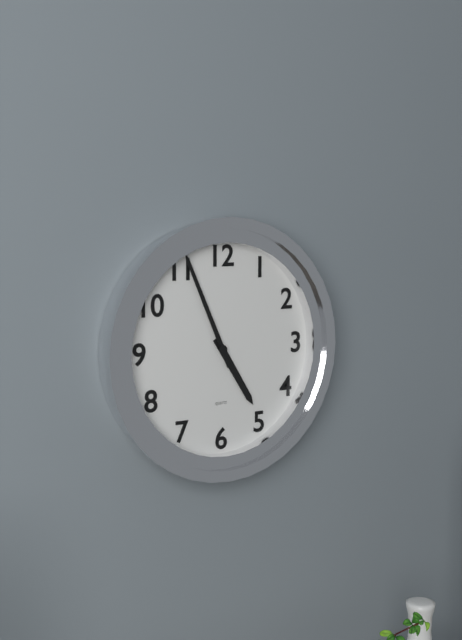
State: 4 h 56 min
